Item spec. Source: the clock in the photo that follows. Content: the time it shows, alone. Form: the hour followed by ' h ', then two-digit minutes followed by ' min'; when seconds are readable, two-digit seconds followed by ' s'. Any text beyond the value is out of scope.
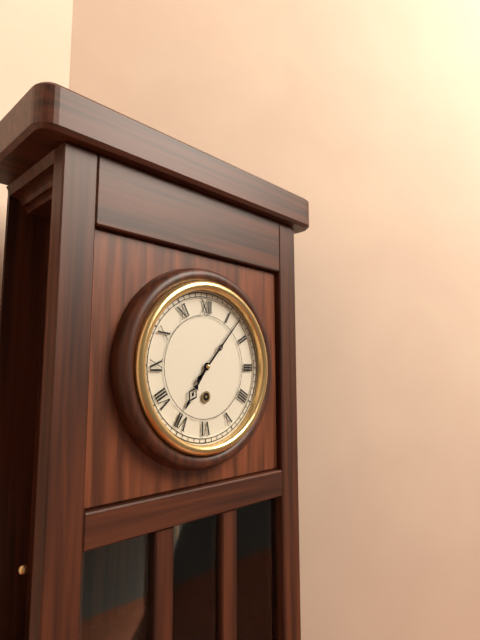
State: 7 h 07 min
